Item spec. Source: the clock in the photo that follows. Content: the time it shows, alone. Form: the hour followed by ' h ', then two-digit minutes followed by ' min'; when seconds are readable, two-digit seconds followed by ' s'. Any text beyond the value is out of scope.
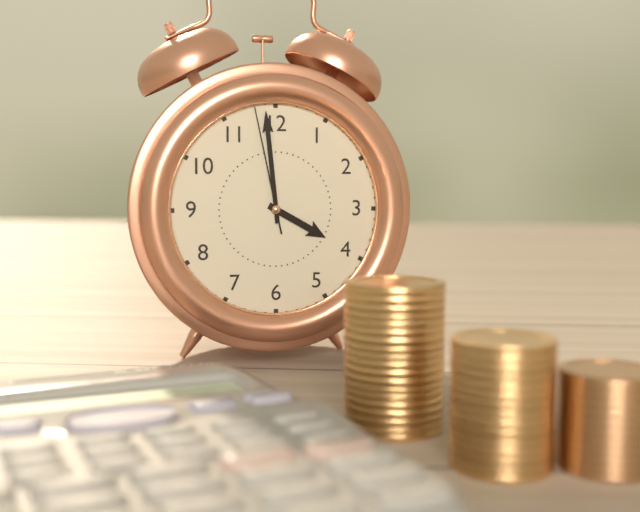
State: 3 h 59 min 58 s
